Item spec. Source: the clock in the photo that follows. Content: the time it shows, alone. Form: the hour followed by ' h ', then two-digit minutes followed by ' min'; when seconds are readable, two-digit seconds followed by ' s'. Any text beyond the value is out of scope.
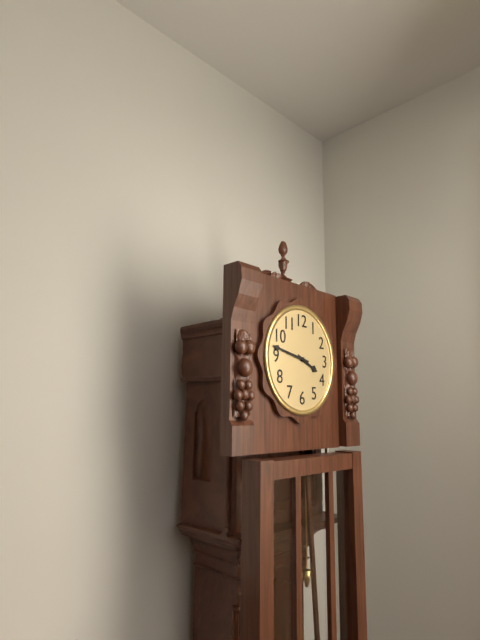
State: 3 h 47 min
